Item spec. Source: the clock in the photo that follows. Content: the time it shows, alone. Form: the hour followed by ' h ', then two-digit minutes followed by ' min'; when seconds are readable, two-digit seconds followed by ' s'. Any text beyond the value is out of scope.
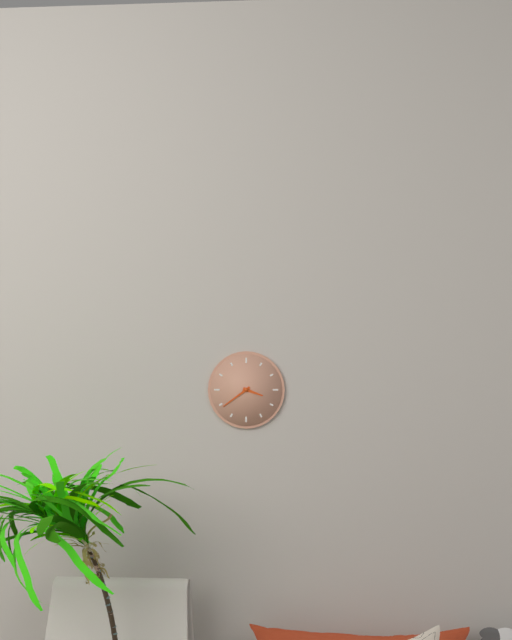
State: 3 h 39 min
